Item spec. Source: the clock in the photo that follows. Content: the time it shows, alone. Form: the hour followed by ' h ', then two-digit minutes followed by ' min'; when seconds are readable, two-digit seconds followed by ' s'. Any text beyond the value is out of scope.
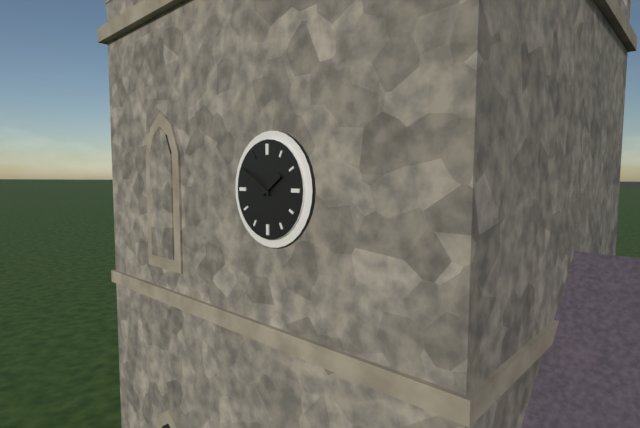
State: 1 h 50 min
